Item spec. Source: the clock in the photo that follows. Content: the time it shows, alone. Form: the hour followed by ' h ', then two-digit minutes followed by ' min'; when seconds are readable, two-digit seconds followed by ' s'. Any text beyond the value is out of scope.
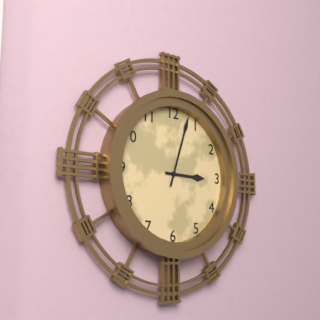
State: 3 h 03 min
